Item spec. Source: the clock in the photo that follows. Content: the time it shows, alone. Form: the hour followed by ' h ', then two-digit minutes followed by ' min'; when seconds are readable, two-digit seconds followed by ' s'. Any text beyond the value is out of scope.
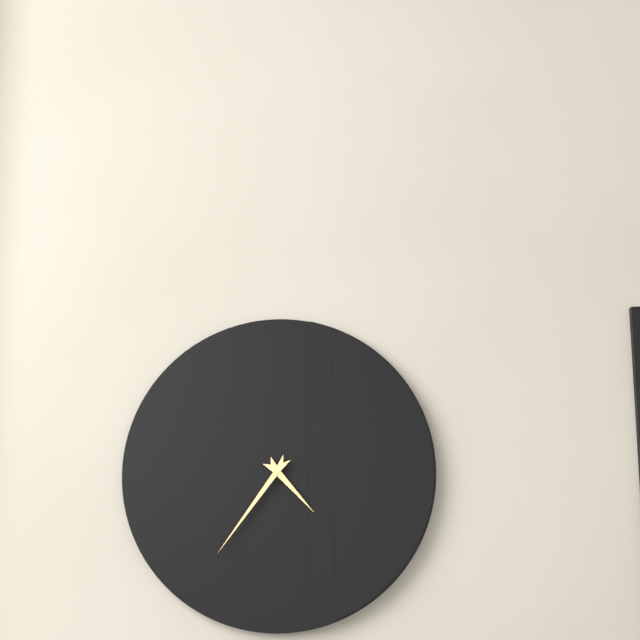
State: 4 h 36 min
